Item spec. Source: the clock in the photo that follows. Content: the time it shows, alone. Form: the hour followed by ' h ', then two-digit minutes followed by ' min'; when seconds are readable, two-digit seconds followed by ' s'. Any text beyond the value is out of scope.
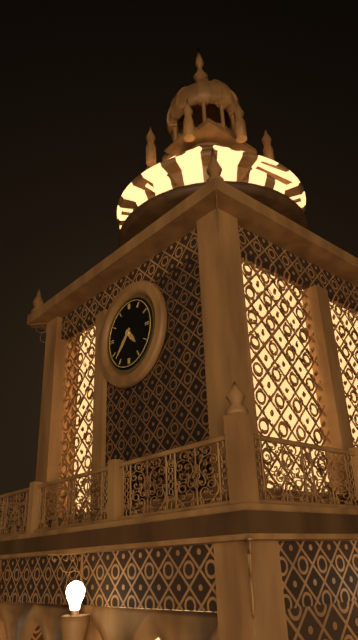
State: 4 h 37 min
